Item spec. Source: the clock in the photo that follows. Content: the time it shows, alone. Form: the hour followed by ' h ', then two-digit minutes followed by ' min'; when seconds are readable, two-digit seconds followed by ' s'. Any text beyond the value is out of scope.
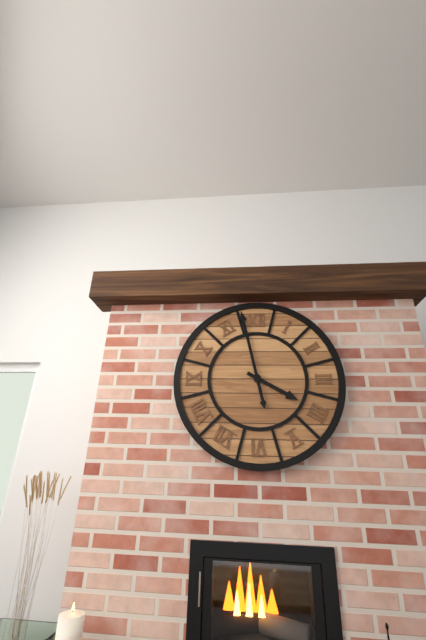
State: 3 h 58 min
